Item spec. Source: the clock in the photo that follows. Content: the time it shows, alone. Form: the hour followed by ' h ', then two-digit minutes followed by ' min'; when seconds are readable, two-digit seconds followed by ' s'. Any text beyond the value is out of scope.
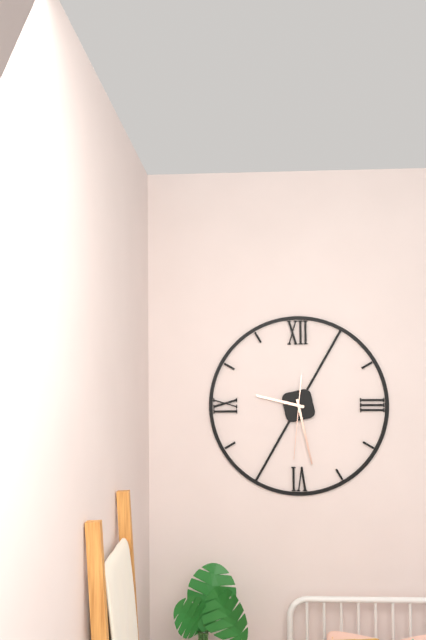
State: 9 h 28 min 31 s
